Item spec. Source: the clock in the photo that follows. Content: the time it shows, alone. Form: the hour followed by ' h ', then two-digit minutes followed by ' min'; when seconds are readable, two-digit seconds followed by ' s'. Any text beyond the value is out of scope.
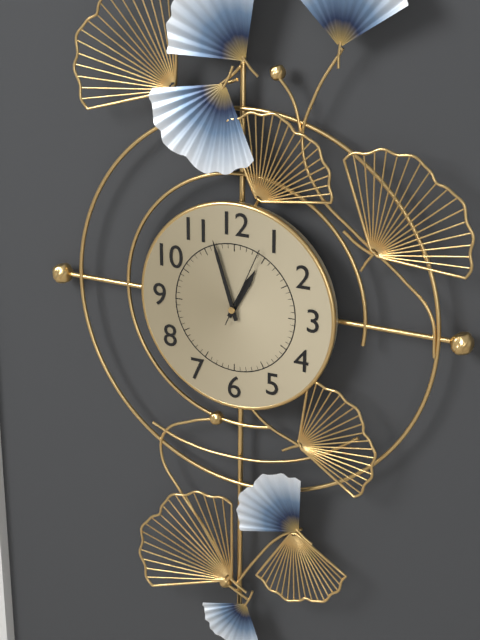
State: 12 h 57 min 04 s
